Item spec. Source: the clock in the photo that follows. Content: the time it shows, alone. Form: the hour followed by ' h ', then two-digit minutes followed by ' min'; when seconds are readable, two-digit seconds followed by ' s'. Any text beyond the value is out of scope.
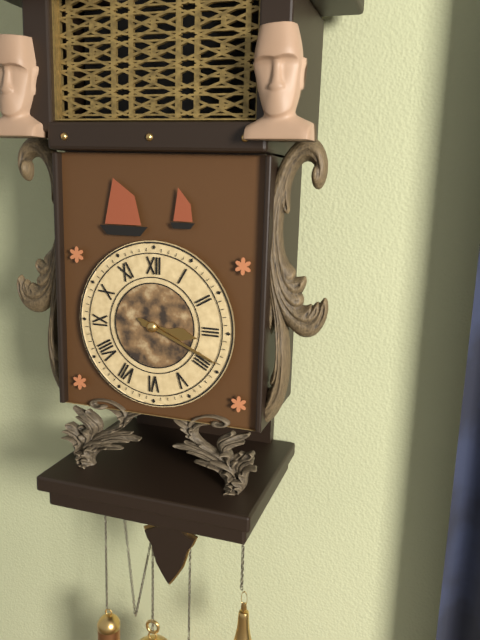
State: 3 h 19 min
